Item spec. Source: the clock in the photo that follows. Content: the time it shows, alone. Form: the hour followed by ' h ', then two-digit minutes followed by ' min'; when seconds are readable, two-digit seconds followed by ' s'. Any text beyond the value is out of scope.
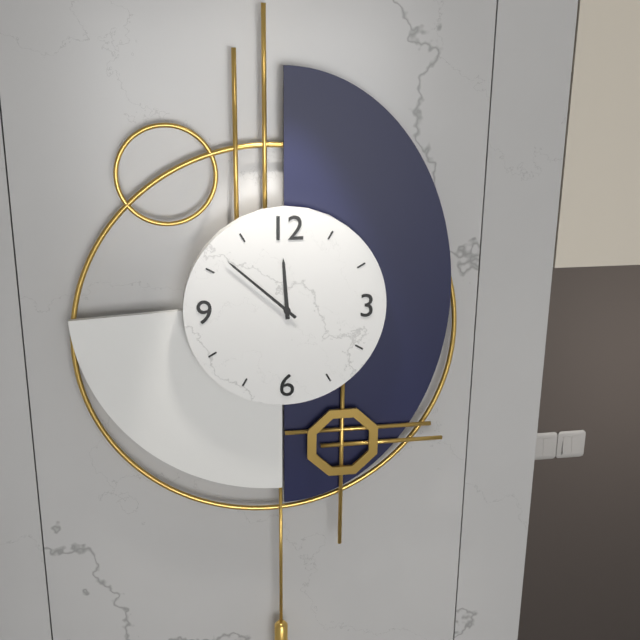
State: 11 h 52 min
